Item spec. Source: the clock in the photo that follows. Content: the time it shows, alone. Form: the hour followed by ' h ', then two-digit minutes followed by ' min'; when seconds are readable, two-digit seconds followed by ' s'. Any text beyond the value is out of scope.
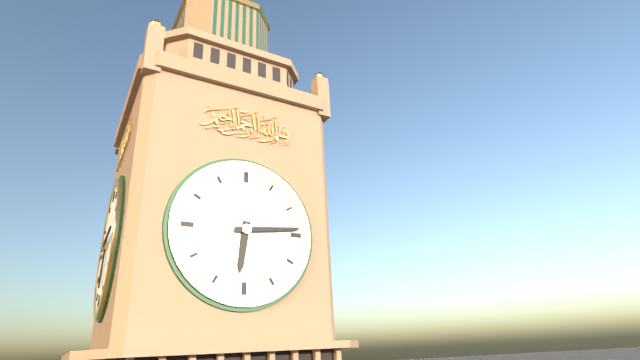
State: 6 h 14 min
